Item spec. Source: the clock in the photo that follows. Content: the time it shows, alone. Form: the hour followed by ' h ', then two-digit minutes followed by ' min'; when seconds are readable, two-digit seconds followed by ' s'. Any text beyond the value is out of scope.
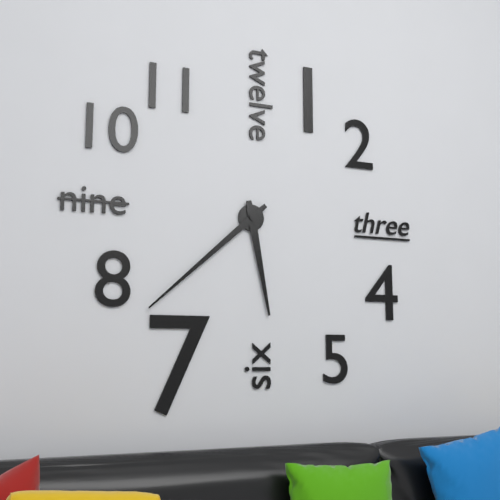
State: 5 h 38 min
